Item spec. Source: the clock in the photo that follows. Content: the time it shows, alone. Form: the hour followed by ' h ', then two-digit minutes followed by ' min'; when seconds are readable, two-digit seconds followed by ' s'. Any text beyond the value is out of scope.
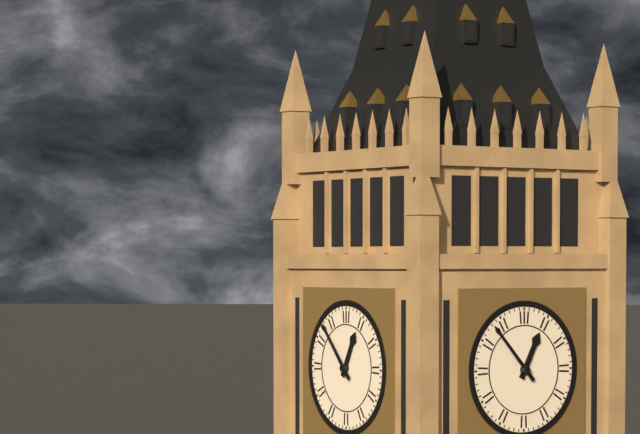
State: 12 h 53 min
